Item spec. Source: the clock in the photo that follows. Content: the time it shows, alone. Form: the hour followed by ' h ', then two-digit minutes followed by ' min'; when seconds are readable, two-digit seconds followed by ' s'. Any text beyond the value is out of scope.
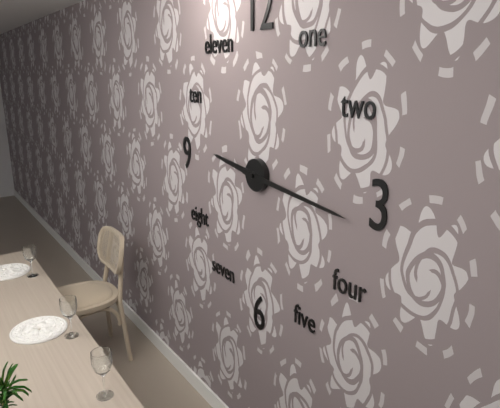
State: 9 h 16 min
